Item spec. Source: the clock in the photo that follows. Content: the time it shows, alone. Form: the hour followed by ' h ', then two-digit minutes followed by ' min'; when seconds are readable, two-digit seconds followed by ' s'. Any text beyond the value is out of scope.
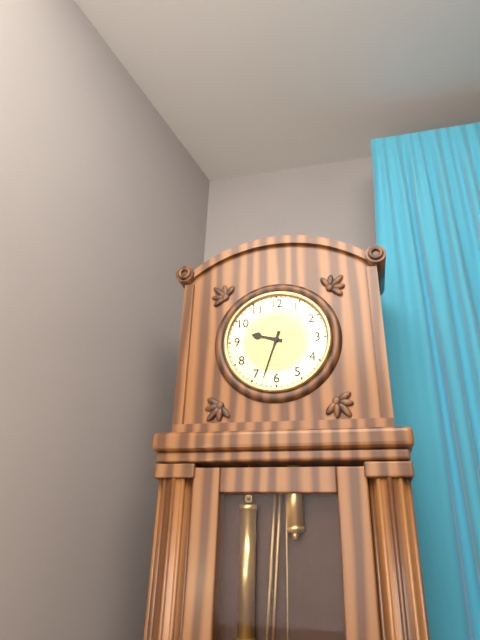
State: 9 h 33 min
